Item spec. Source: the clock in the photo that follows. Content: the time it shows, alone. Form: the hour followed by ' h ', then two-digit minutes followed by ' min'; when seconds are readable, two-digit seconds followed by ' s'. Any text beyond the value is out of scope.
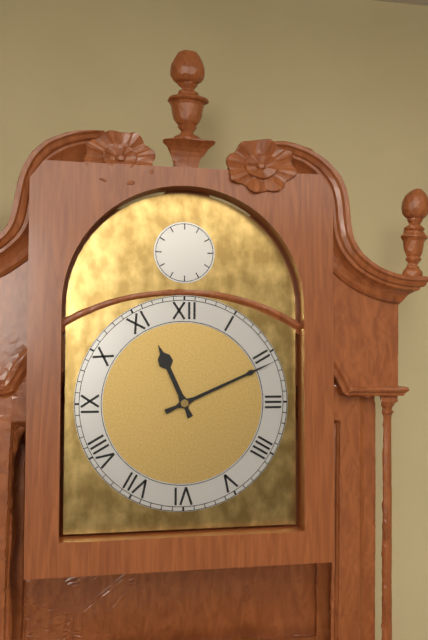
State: 11 h 11 min
